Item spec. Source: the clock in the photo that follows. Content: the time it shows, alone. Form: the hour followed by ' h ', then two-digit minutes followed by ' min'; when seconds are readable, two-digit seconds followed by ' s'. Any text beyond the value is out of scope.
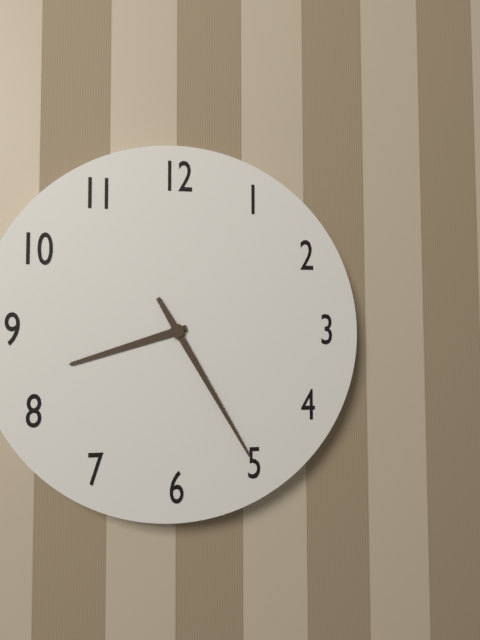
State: 8 h 25 min
